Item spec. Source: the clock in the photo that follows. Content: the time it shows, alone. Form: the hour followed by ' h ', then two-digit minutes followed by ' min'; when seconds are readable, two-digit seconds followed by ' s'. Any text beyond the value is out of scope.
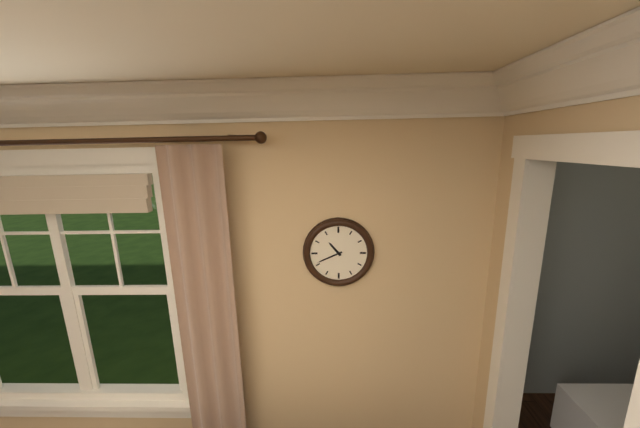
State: 10 h 41 min
